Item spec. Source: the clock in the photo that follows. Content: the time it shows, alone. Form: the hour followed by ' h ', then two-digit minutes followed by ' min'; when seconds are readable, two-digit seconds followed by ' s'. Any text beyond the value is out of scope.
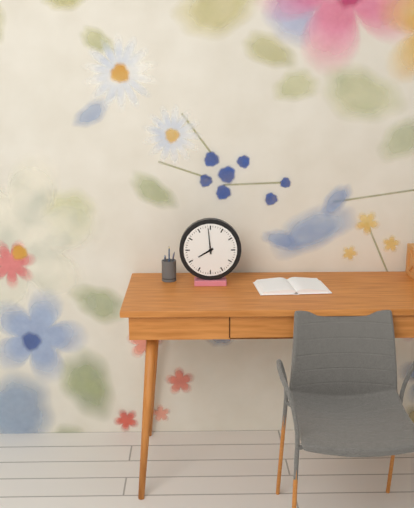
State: 7 h 59 min
